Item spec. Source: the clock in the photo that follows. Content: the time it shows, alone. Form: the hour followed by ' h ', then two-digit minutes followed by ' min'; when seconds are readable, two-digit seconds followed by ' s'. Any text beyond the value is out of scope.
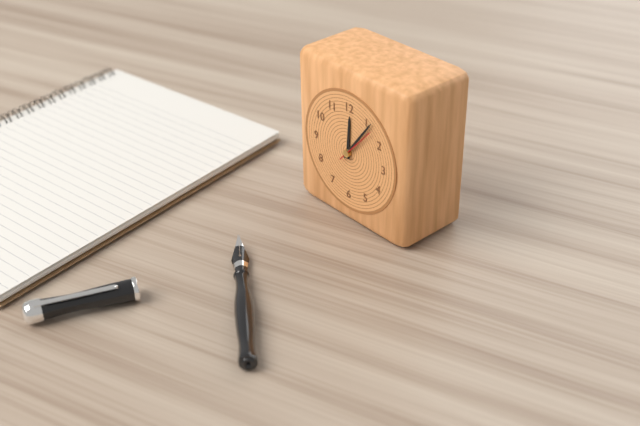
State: 12 h 06 min
